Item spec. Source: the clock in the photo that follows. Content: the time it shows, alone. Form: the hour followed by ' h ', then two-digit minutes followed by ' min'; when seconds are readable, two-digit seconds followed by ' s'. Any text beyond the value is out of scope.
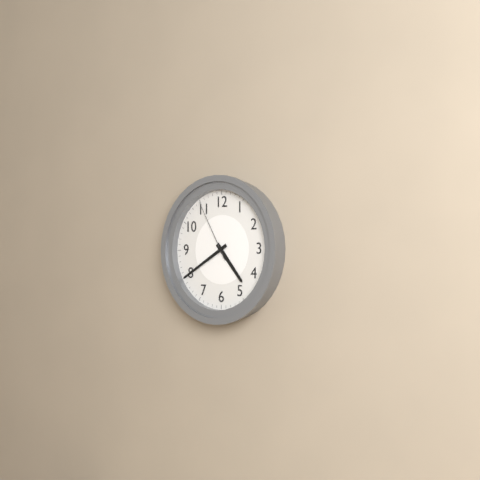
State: 4 h 40 min 55 s
